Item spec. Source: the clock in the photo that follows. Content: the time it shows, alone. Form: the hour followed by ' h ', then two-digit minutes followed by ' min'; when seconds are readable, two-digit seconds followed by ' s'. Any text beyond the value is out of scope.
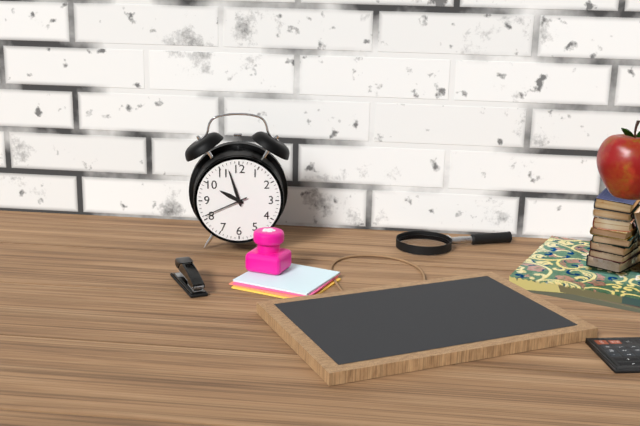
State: 9 h 57 min
